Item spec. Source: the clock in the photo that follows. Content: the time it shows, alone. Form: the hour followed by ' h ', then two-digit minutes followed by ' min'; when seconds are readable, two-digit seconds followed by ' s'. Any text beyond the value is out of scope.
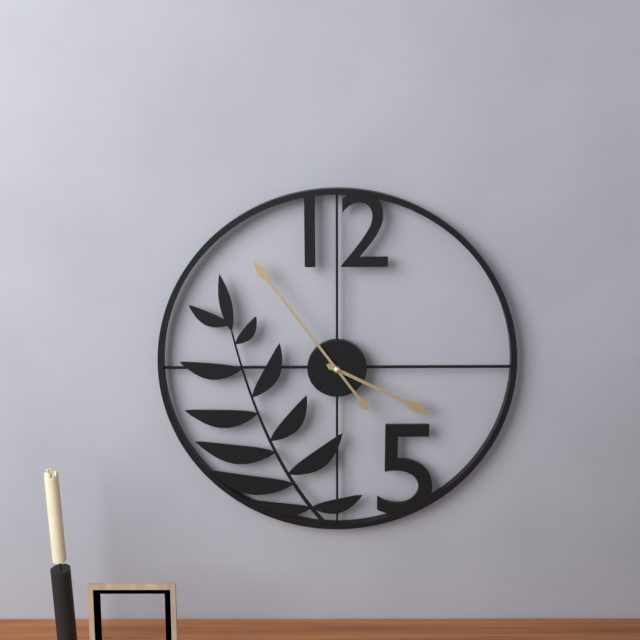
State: 3 h 54 min
